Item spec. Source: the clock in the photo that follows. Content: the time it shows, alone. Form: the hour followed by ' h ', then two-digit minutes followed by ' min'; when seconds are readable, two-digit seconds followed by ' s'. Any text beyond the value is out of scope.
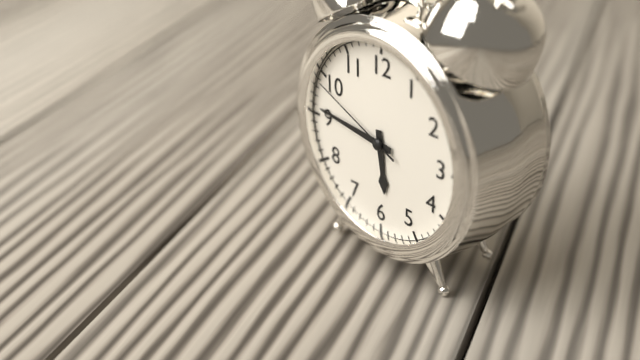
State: 5 h 46 min 49 s
